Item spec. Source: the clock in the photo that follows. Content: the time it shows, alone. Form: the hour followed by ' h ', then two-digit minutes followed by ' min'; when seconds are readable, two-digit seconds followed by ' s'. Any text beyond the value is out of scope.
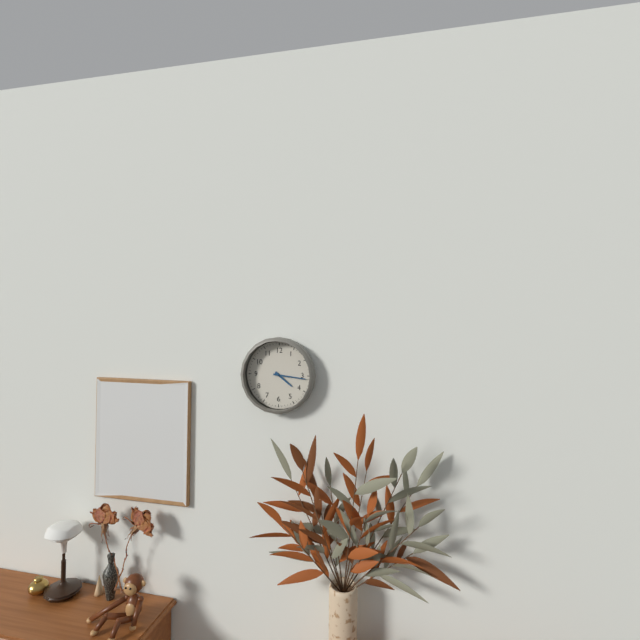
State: 4 h 16 min
